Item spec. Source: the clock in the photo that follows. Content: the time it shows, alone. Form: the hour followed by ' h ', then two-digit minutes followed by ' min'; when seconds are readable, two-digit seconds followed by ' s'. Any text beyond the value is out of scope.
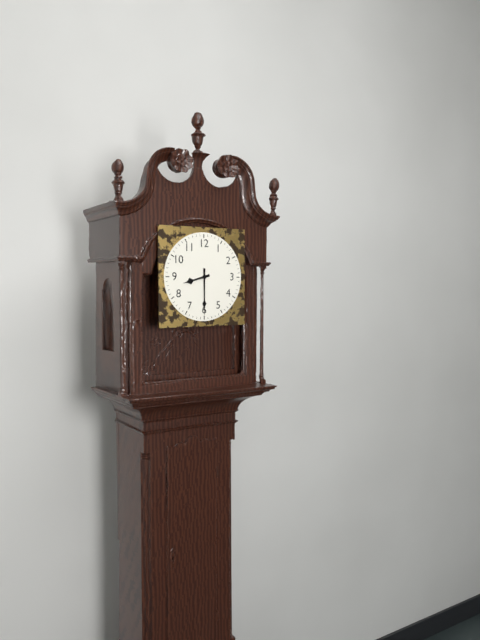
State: 8 h 30 min
